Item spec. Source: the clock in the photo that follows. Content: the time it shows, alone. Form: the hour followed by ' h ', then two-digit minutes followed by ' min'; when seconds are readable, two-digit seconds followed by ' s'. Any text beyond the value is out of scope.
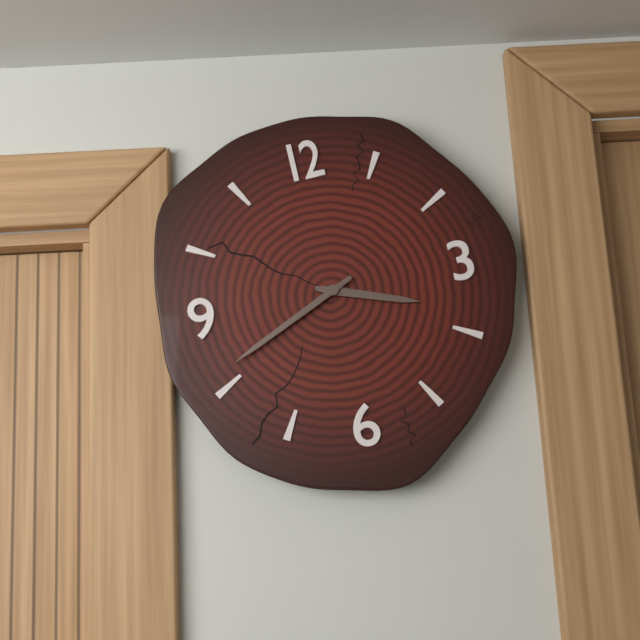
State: 3 h 41 min
